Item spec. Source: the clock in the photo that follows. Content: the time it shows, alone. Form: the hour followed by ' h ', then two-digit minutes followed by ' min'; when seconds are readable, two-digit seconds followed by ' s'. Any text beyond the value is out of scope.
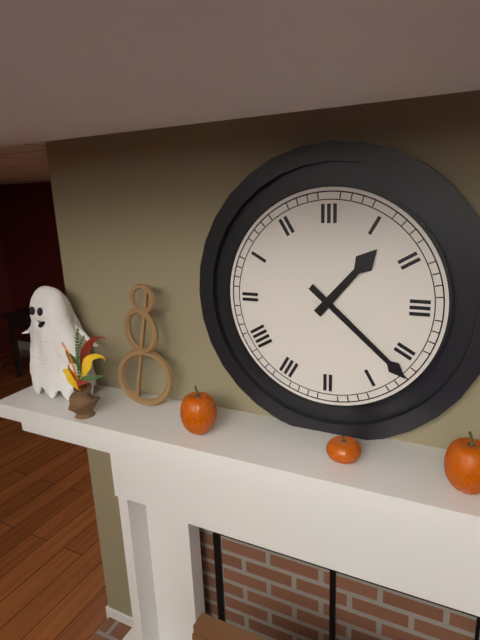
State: 1 h 22 min
